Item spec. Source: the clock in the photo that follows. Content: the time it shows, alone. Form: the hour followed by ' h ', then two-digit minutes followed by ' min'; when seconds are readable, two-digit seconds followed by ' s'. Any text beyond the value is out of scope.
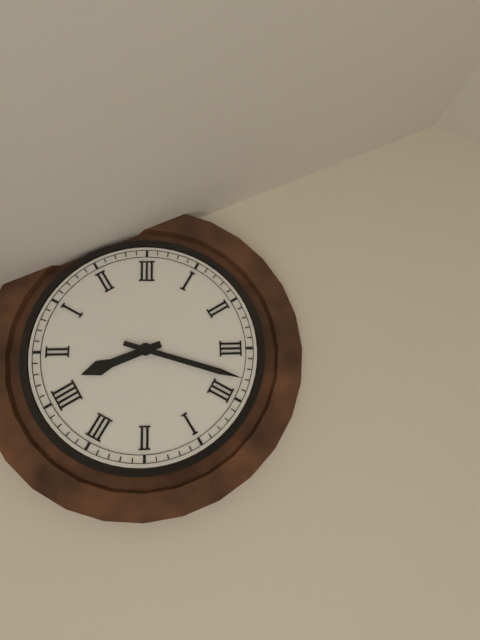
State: 8 h 18 min
